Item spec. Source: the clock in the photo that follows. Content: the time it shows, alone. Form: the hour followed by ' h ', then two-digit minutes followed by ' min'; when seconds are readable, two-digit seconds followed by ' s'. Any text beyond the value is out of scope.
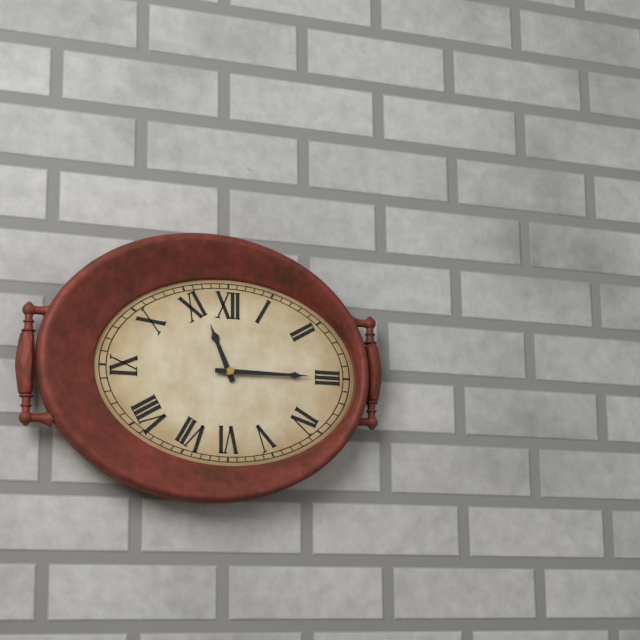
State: 11 h 15 min
